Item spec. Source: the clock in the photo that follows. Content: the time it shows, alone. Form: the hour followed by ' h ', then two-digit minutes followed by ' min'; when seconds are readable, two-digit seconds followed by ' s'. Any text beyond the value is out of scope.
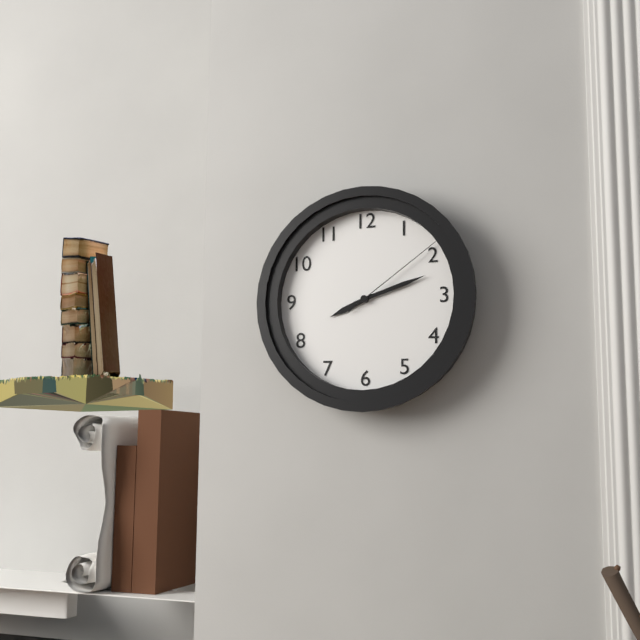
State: 8 h 12 min 09 s
